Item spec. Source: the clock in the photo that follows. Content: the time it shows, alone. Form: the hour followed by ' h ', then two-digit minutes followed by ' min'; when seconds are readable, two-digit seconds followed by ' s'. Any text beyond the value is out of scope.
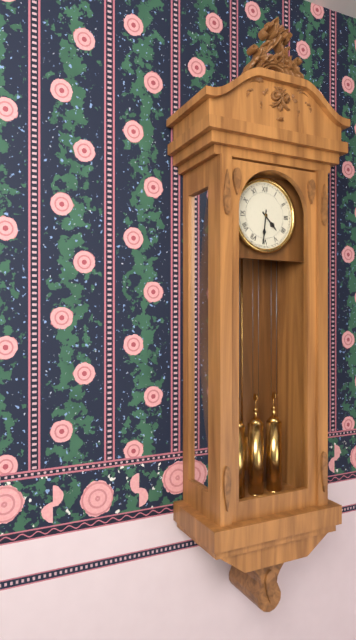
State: 4 h 31 min
